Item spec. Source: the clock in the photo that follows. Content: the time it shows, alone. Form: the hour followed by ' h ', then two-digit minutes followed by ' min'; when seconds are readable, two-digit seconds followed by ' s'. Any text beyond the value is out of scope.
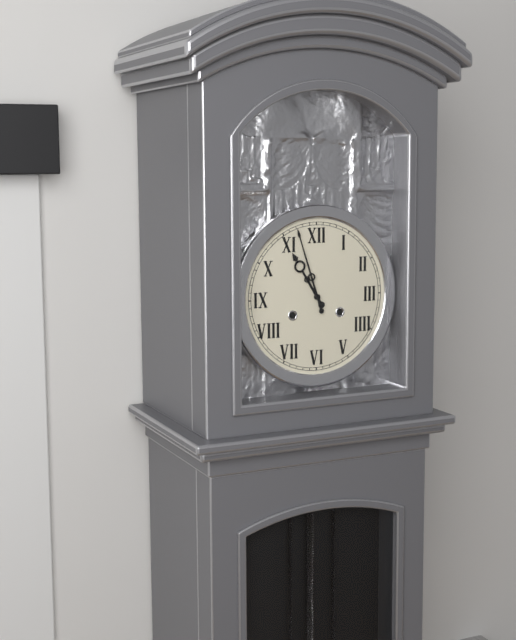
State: 10 h 57 min
